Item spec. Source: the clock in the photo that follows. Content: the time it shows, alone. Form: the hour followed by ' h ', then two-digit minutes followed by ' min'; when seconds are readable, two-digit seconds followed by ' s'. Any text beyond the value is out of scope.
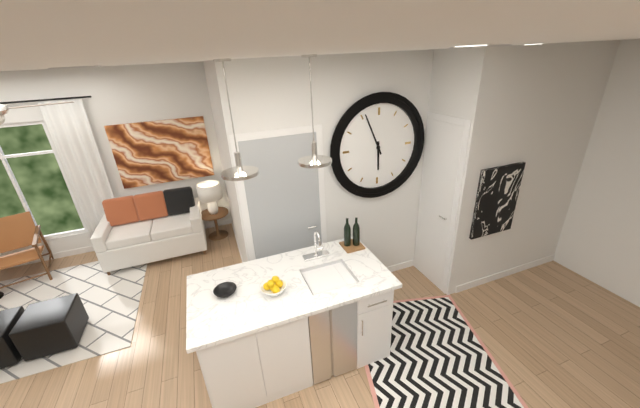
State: 5 h 56 min
